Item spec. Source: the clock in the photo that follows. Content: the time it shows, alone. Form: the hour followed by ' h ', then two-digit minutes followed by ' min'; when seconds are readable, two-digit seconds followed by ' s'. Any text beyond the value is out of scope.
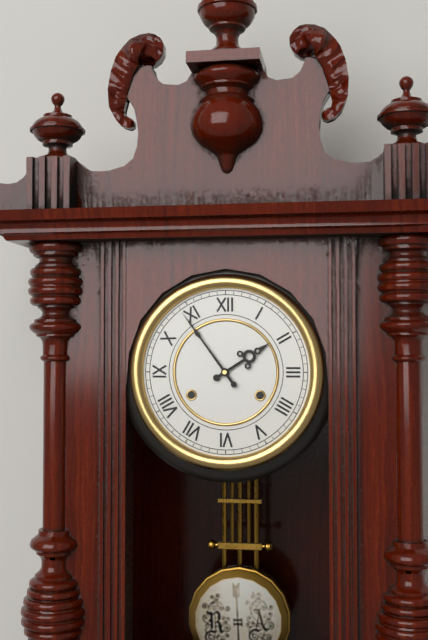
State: 1 h 54 min
